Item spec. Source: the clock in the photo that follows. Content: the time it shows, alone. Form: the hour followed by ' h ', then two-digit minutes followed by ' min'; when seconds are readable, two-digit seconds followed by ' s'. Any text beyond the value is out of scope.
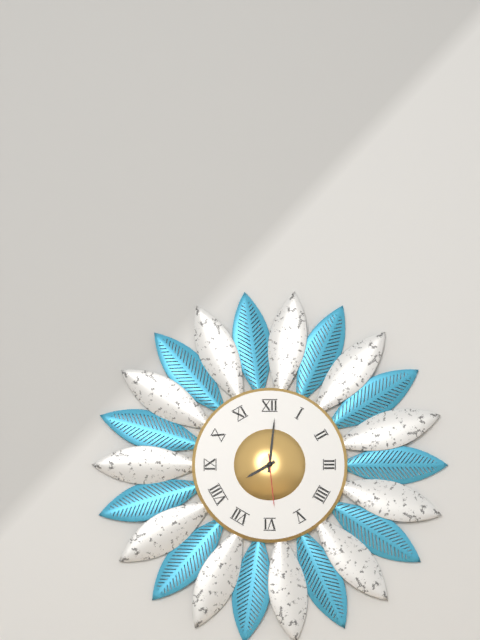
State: 8 h 01 min 29 s
